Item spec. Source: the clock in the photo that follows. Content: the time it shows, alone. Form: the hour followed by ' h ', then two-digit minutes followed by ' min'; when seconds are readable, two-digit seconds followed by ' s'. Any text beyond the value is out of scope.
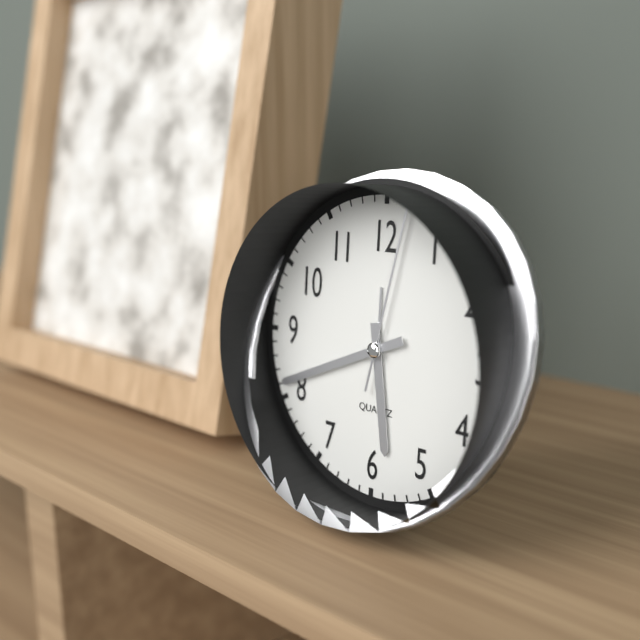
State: 5 h 41 min 02 s
